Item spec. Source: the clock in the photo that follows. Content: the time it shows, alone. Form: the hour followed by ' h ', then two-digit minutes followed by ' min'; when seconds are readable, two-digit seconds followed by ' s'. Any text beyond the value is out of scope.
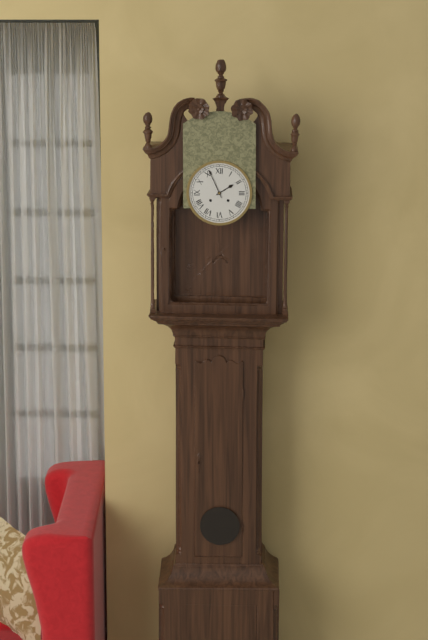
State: 1 h 56 min
